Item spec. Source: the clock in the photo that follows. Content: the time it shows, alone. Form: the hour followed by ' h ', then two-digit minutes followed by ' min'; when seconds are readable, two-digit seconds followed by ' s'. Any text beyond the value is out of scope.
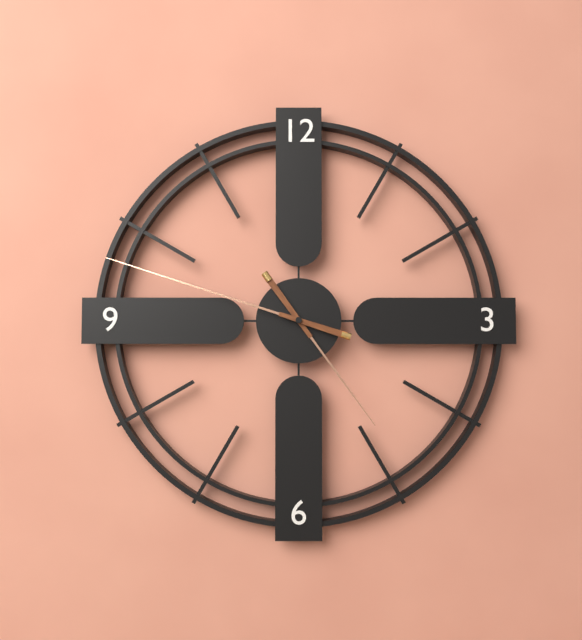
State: 4 h 48 min
